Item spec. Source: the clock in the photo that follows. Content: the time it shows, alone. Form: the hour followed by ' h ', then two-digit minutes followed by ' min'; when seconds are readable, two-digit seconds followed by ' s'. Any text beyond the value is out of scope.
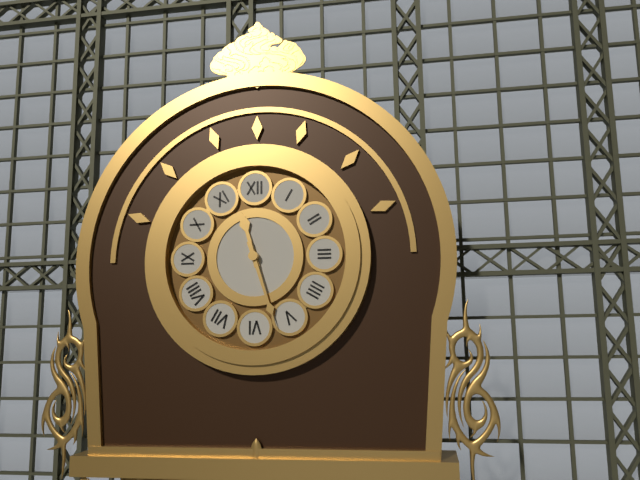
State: 11 h 27 min
